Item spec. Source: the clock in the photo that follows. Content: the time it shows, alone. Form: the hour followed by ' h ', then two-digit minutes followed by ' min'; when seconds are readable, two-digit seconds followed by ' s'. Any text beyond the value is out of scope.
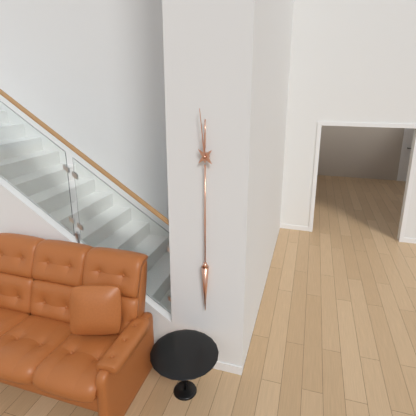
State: 11 h 59 min
